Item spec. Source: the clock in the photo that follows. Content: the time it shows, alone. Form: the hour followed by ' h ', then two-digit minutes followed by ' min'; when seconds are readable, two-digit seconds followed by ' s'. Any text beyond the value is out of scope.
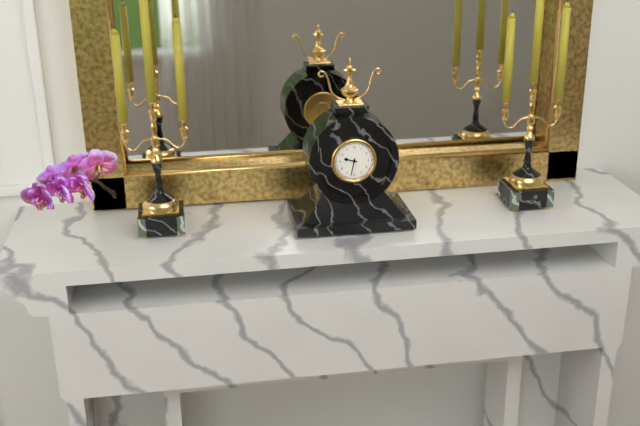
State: 9 h 32 min
